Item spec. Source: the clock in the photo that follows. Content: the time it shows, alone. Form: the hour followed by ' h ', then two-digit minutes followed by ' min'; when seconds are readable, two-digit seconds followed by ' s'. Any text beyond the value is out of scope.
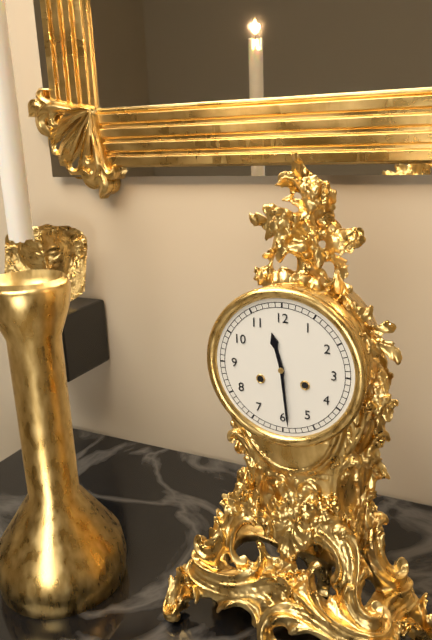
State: 11 h 29 min
